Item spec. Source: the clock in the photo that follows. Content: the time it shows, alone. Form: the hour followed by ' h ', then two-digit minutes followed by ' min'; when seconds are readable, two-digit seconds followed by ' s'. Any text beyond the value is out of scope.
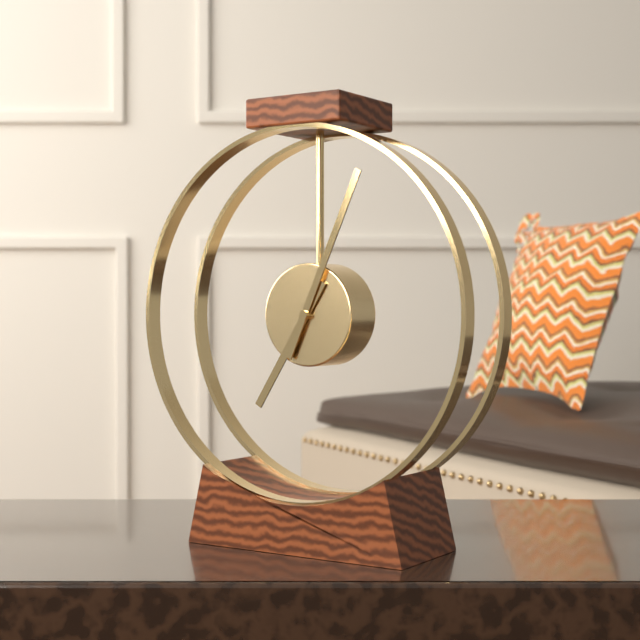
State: 7 h 04 min
